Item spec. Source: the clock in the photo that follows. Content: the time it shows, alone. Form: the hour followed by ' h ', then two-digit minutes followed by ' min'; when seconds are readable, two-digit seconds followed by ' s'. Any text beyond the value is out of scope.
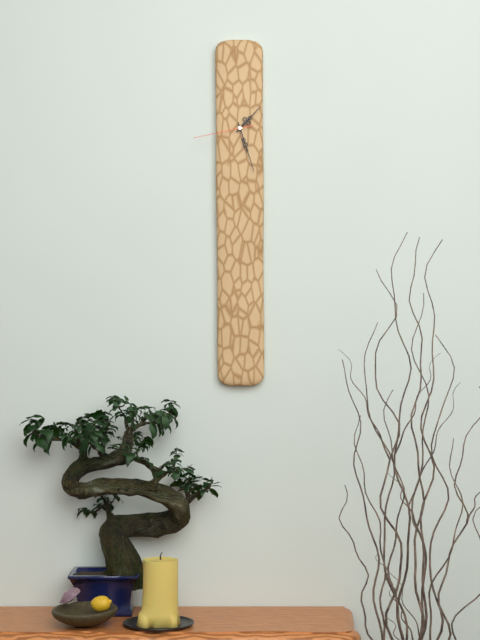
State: 1 h 27 min 43 s
